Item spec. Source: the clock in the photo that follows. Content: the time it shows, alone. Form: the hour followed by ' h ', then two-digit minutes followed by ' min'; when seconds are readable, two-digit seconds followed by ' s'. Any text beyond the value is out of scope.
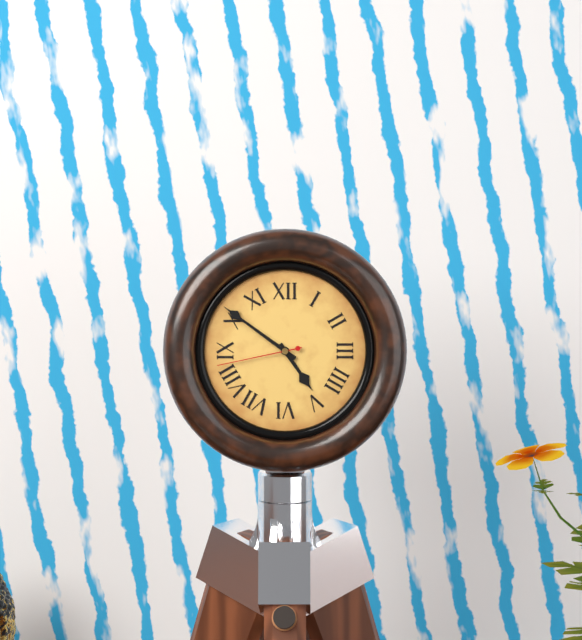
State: 4 h 51 min 43 s
